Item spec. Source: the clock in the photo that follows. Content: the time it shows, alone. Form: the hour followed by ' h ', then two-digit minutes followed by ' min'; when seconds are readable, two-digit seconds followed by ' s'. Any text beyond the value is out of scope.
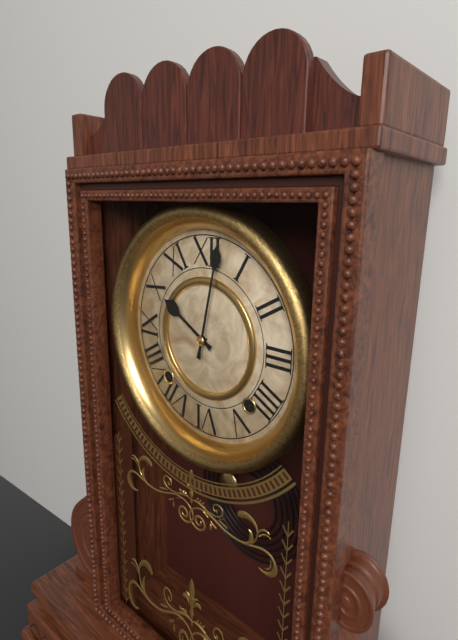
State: 10 h 02 min
